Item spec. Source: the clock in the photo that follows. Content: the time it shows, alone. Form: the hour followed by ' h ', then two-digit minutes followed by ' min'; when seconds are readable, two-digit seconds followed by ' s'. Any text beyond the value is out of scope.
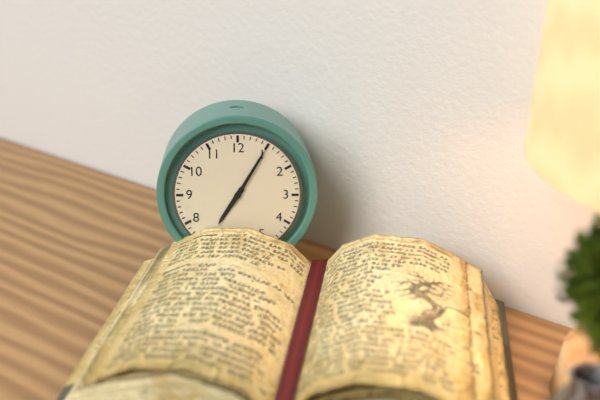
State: 7 h 05 min
